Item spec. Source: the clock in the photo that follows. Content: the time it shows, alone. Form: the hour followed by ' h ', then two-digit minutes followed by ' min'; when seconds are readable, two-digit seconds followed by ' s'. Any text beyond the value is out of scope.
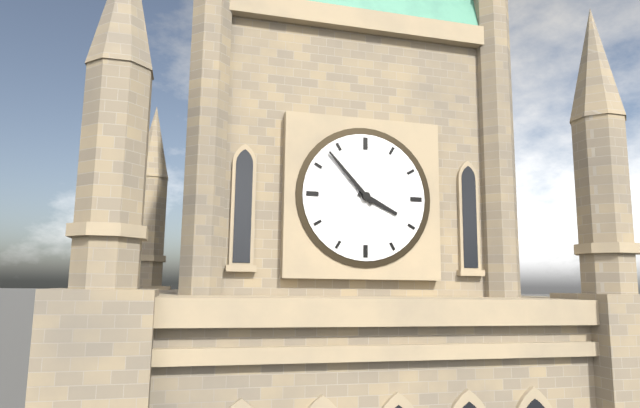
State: 3 h 53 min
